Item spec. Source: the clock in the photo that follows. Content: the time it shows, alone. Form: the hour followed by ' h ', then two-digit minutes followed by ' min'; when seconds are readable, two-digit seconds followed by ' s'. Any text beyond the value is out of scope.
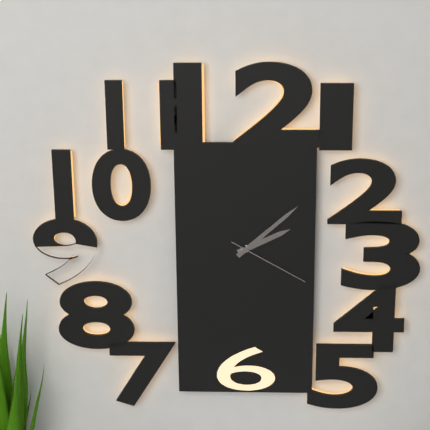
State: 2 h 08 min 20 s
